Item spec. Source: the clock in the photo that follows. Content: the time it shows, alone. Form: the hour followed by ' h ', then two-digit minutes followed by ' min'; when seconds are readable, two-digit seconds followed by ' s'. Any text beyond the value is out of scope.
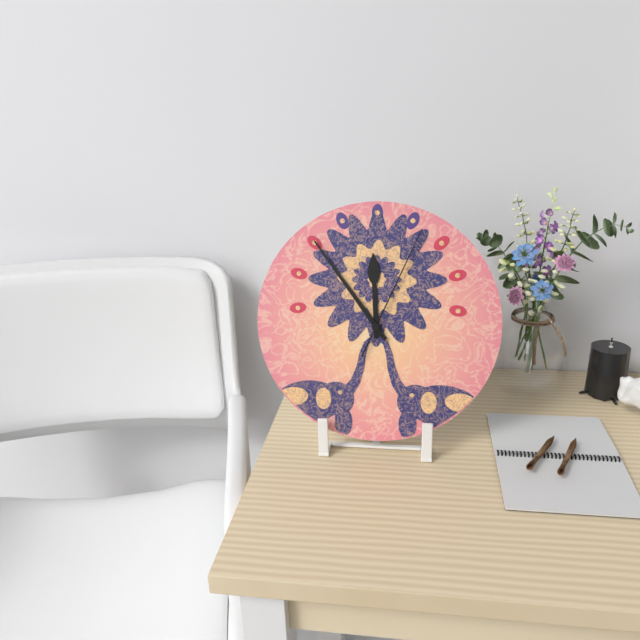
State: 11 h 54 min 04 s
